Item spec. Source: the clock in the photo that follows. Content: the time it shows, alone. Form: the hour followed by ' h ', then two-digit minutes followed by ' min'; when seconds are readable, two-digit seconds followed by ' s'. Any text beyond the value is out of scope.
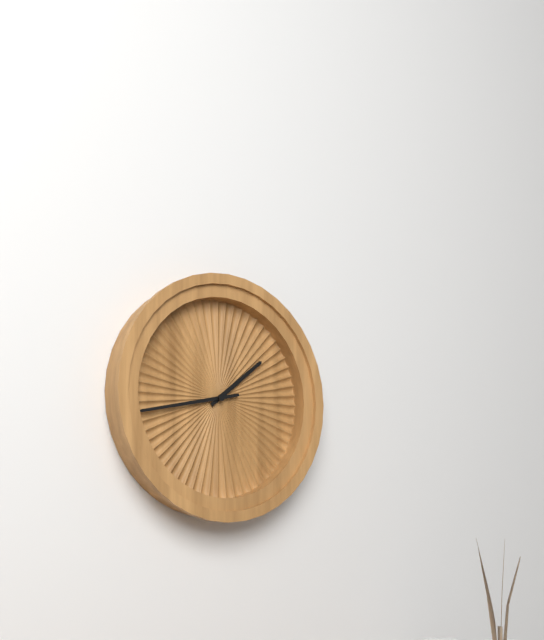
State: 1 h 43 min
